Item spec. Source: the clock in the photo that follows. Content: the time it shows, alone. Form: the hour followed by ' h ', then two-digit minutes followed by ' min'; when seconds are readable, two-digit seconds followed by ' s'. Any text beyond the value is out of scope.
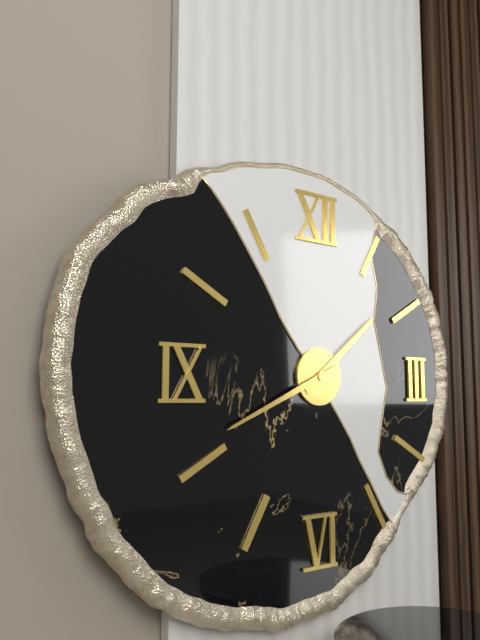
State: 1 h 41 min
